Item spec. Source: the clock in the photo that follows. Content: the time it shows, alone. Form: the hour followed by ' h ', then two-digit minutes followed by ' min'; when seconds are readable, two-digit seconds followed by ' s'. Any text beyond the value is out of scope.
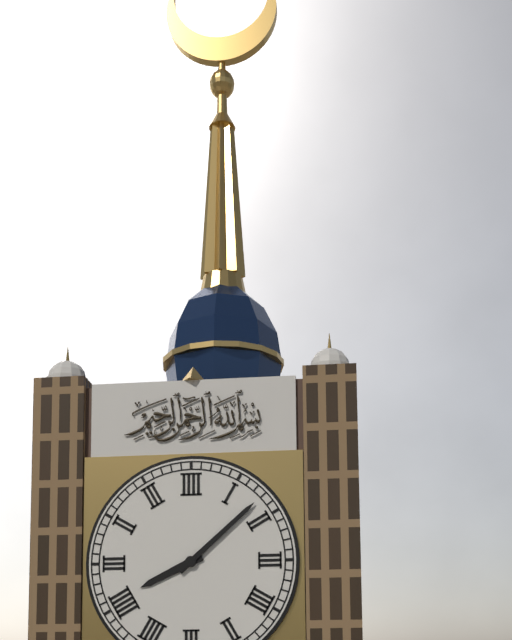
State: 8 h 08 min
